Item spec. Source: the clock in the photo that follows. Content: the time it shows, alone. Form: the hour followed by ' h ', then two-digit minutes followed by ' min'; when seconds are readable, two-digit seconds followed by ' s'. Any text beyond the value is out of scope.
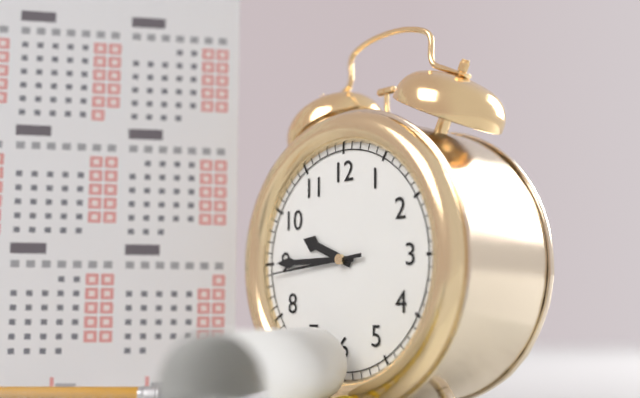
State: 9 h 45 min 44 s
